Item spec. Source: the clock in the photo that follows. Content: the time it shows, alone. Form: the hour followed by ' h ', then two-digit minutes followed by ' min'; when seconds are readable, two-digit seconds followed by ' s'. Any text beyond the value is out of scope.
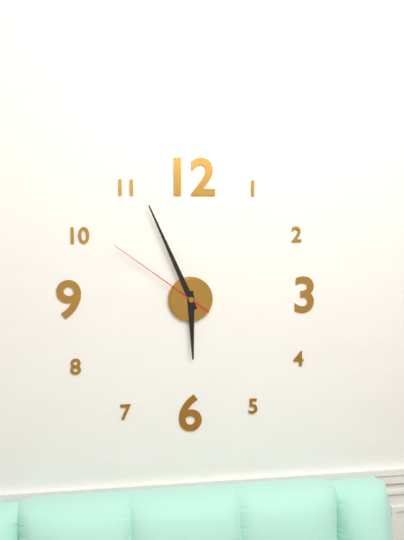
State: 5 h 56 min 51 s
